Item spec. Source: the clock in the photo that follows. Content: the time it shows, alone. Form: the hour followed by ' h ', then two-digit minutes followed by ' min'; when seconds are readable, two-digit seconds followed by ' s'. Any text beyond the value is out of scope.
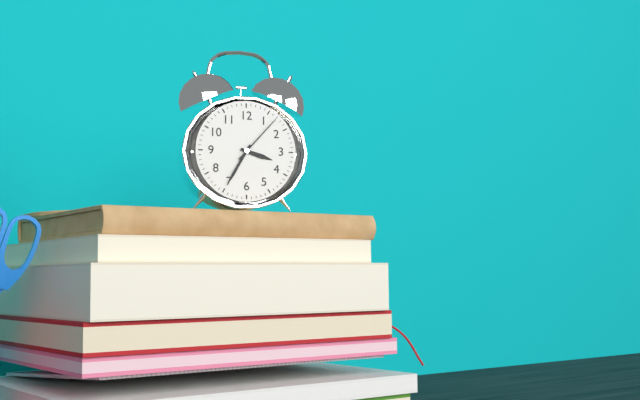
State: 3 h 35 min 07 s
